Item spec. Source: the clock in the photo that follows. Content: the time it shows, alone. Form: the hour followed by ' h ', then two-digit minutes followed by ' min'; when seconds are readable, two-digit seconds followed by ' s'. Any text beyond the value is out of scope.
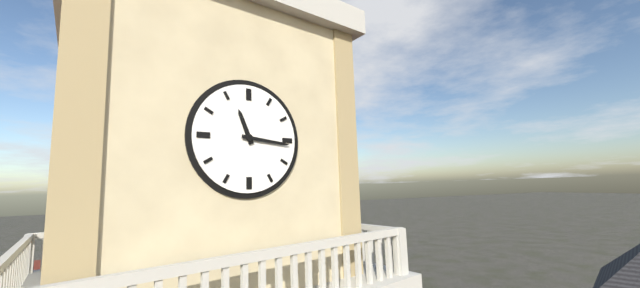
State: 11 h 16 min
